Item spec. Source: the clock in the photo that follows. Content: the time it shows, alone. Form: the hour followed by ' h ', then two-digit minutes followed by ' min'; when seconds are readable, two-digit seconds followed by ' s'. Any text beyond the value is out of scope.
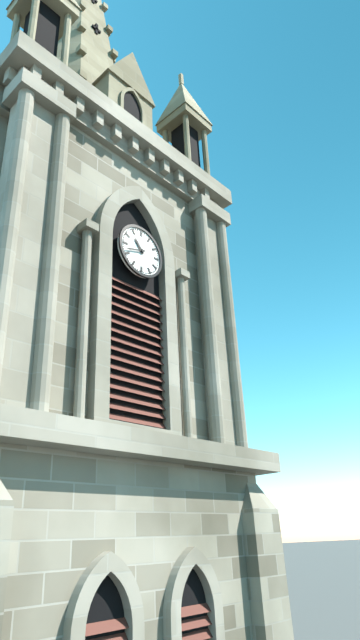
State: 10 h 42 min
